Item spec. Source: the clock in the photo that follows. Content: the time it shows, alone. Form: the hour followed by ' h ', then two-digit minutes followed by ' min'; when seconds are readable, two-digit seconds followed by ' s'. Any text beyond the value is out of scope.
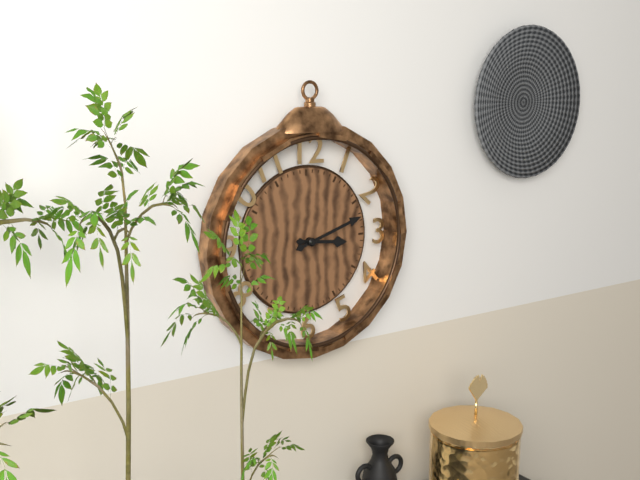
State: 3 h 12 min
